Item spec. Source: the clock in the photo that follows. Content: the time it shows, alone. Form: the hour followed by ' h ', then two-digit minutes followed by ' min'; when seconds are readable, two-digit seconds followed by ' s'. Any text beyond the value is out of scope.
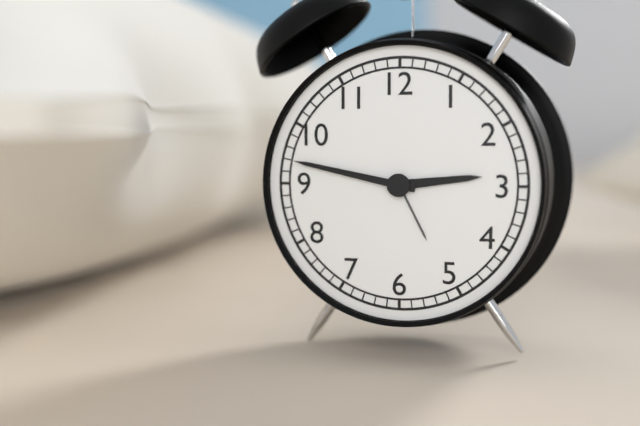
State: 2 h 47 min
